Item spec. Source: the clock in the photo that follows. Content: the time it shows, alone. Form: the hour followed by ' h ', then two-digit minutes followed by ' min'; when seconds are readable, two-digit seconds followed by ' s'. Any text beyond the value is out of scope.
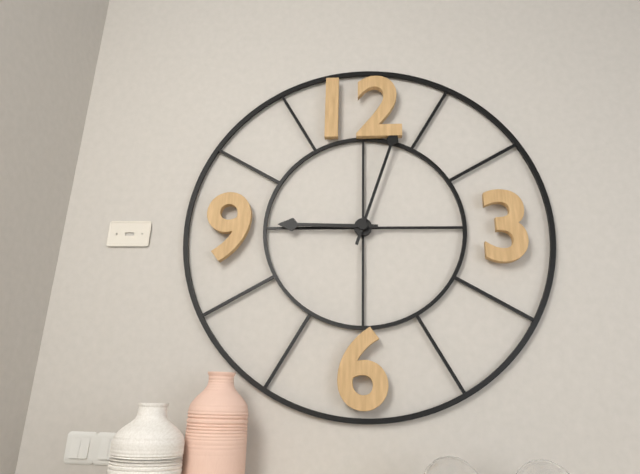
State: 9 h 03 min
